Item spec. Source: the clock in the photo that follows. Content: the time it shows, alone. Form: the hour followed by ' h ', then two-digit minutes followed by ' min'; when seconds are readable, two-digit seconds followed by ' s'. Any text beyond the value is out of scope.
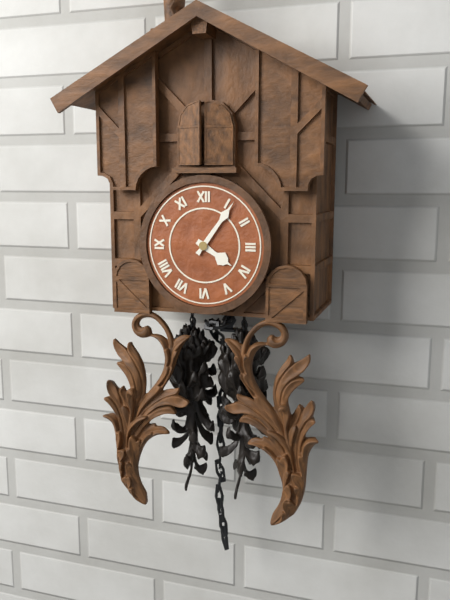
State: 4 h 06 min
